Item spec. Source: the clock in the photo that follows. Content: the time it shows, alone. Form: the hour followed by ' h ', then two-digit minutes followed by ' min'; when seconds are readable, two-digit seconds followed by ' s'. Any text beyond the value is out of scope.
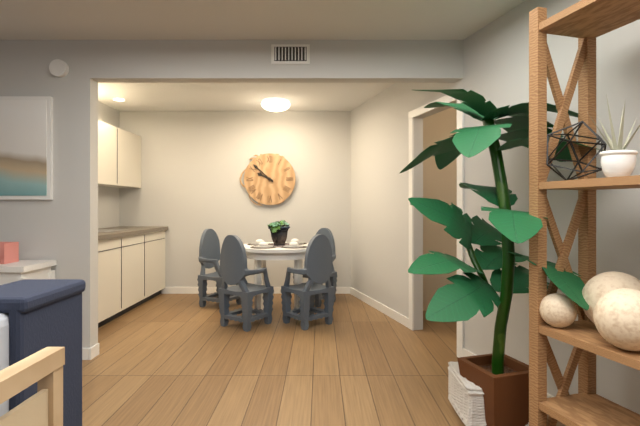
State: 9 h 52 min
